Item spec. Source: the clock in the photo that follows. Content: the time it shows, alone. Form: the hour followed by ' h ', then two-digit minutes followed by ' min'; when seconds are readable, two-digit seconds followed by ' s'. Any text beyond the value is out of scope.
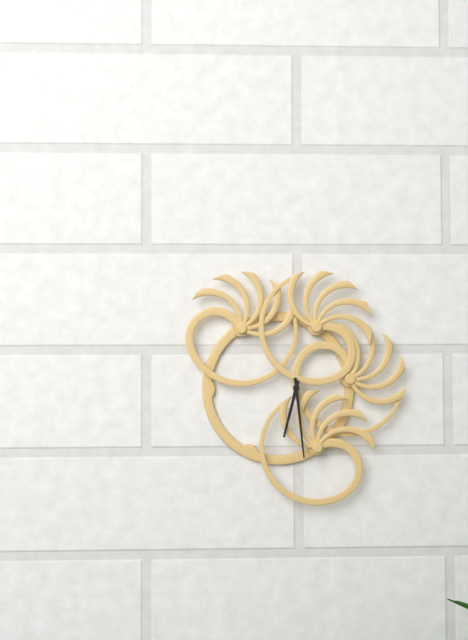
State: 6 h 29 min
